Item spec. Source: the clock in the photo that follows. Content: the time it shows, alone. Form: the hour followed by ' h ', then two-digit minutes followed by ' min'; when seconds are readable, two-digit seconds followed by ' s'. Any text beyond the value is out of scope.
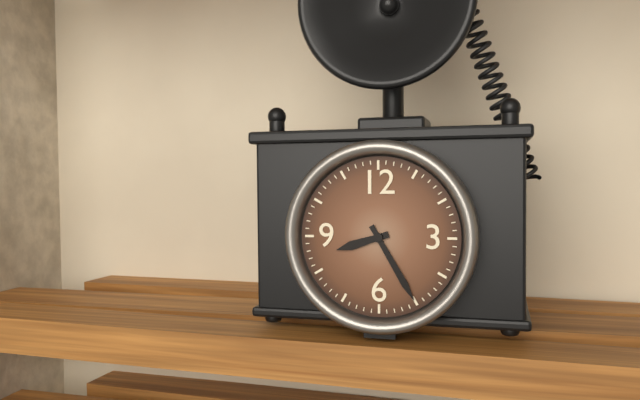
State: 8 h 25 min
